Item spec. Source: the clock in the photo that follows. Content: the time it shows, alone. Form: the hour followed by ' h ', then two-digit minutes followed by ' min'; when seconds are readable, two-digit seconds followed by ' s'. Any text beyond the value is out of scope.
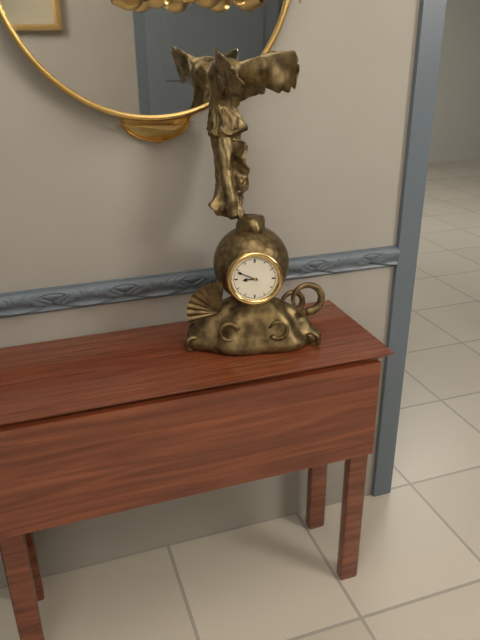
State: 8 h 49 min
